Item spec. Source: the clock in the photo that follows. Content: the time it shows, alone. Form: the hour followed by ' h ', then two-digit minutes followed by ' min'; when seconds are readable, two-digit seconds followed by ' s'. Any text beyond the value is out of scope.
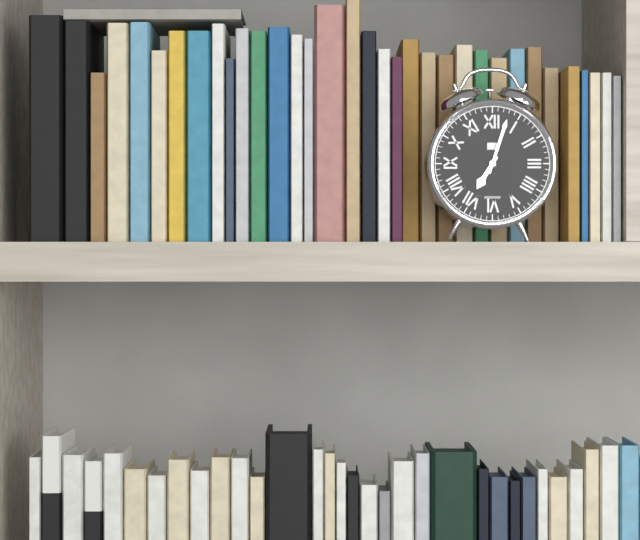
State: 7 h 03 min
